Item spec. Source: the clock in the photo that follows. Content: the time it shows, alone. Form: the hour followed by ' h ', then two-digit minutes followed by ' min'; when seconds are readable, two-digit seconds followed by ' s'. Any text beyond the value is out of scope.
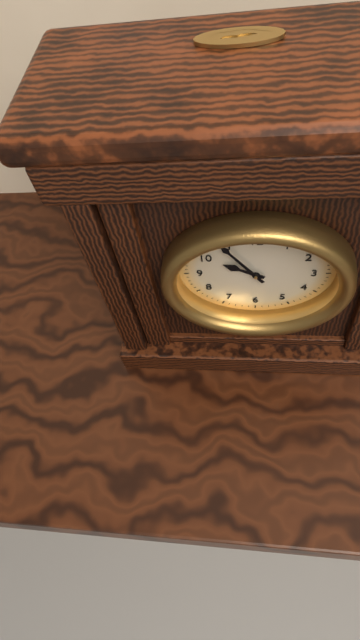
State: 9 h 54 min
